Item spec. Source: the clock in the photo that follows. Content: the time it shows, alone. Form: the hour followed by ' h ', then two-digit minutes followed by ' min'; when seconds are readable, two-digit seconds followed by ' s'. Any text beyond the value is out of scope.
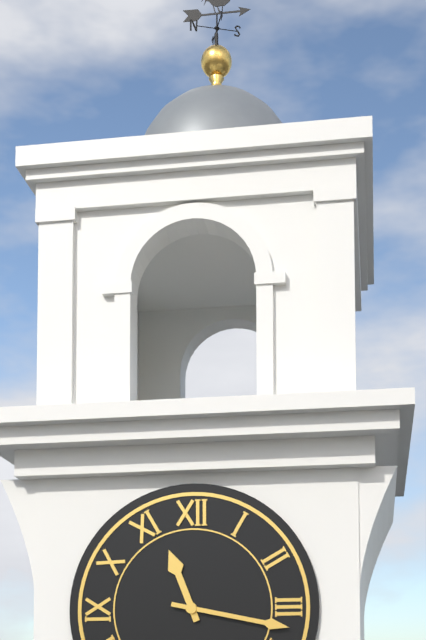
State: 11 h 17 min
